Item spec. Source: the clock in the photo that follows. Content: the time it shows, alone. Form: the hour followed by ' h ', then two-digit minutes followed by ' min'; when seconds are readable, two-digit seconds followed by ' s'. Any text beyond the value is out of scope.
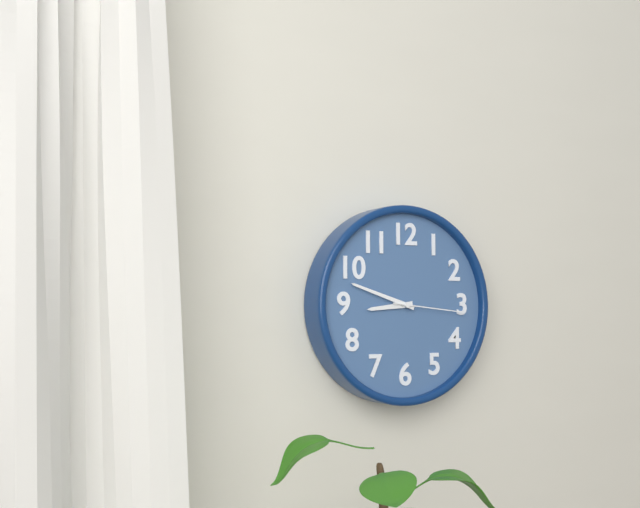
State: 8 h 48 min 16 s
